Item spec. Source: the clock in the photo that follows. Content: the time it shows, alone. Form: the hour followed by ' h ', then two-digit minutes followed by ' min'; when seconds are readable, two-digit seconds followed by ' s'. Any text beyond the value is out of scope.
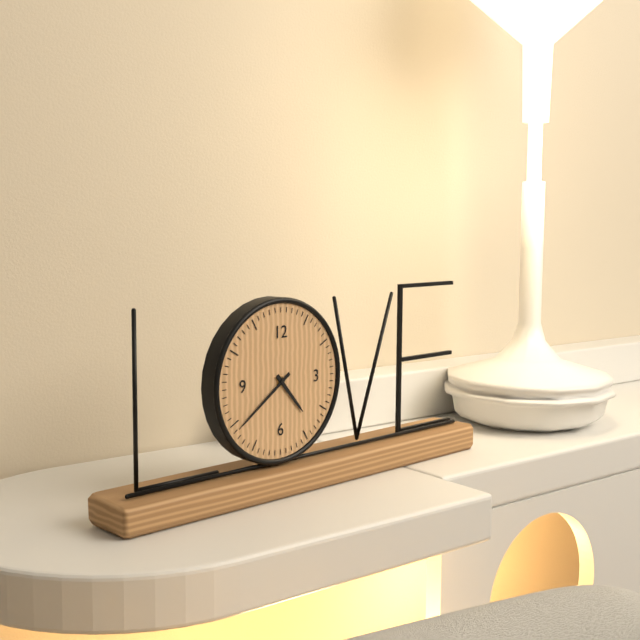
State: 4 h 39 min
